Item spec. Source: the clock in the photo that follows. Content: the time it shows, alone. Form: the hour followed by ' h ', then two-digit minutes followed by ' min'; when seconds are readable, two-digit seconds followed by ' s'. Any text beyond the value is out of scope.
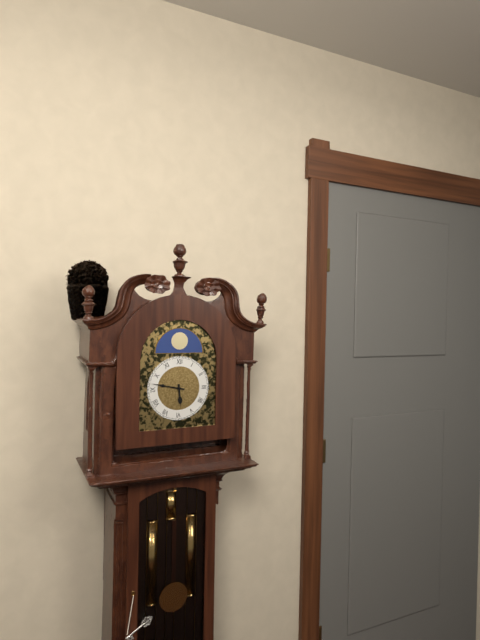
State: 5 h 47 min
